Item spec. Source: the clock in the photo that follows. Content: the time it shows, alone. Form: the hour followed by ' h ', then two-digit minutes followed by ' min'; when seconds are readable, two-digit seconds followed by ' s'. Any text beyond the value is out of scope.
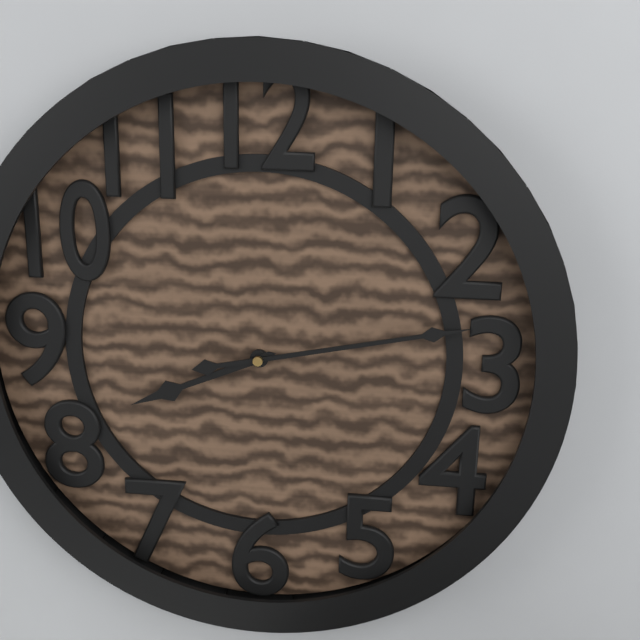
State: 8 h 13 min
